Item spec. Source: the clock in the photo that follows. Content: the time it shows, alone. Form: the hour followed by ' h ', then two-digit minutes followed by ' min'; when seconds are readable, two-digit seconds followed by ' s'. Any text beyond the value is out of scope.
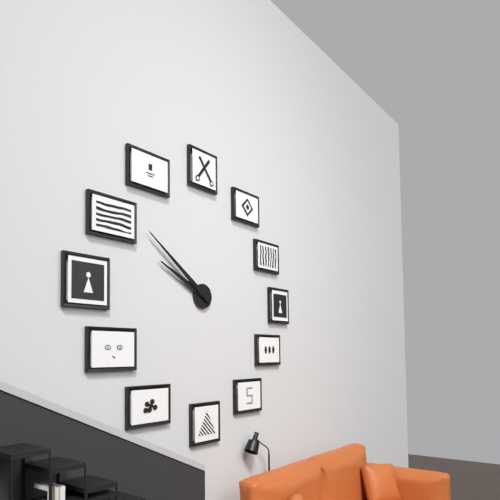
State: 9 h 51 min
